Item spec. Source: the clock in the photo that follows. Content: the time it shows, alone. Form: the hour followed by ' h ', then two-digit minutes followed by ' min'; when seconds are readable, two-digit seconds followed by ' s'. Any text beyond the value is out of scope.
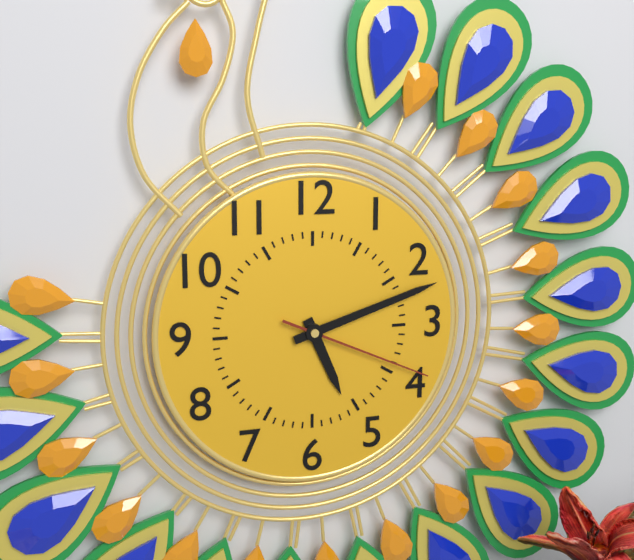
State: 5 h 12 min 19 s
